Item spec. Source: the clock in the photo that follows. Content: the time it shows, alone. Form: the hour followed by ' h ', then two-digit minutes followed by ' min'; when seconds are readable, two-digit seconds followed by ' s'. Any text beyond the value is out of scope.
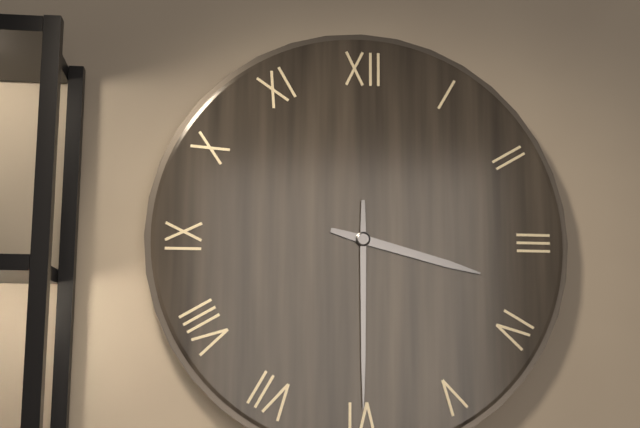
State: 3 h 30 min
